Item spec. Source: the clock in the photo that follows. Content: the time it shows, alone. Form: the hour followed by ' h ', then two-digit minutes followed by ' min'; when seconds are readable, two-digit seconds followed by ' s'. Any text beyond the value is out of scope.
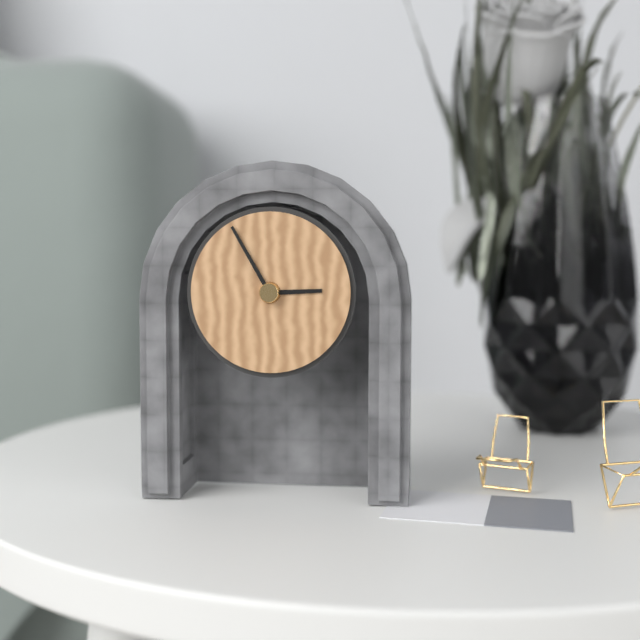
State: 2 h 55 min
